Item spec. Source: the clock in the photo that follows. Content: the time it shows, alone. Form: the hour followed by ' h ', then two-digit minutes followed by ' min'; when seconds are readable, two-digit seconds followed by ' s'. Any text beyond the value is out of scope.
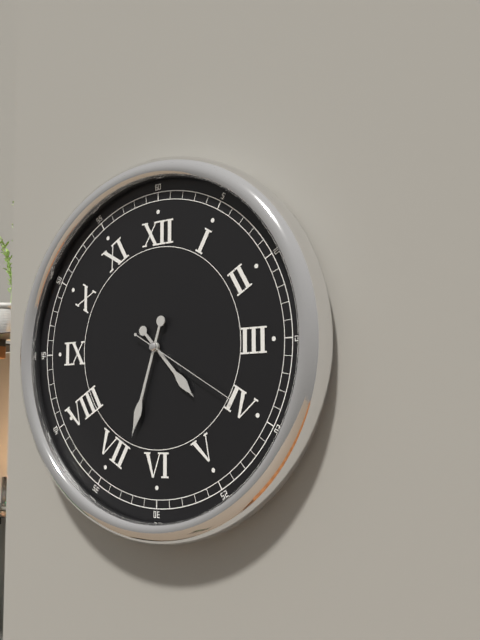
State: 4 h 33 min 20 s
